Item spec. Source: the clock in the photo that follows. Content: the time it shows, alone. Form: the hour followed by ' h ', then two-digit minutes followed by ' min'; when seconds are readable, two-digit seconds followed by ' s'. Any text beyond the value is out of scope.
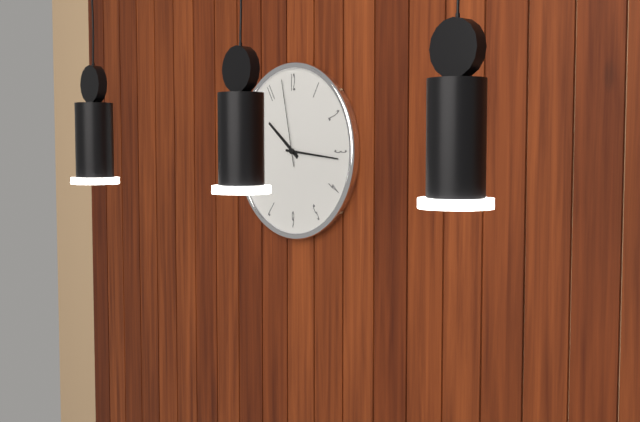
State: 10 h 16 min 58 s
